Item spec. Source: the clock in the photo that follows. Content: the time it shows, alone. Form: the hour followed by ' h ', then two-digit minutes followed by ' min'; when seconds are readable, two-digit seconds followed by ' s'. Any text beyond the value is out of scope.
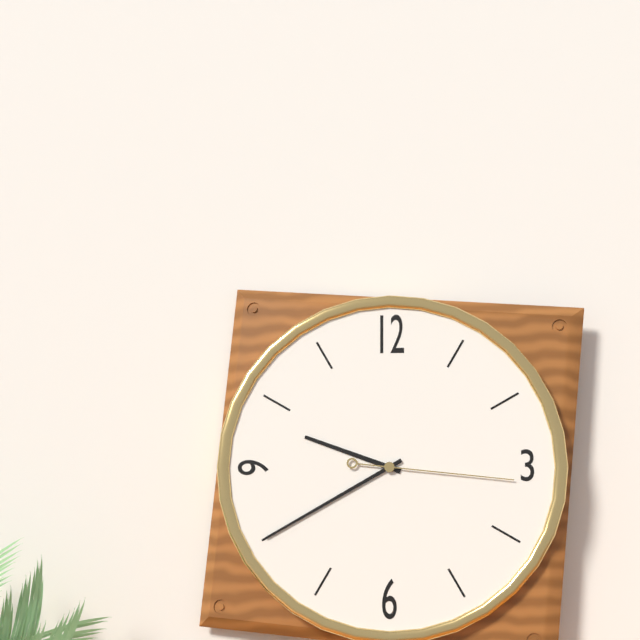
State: 9 h 40 min 16 s
